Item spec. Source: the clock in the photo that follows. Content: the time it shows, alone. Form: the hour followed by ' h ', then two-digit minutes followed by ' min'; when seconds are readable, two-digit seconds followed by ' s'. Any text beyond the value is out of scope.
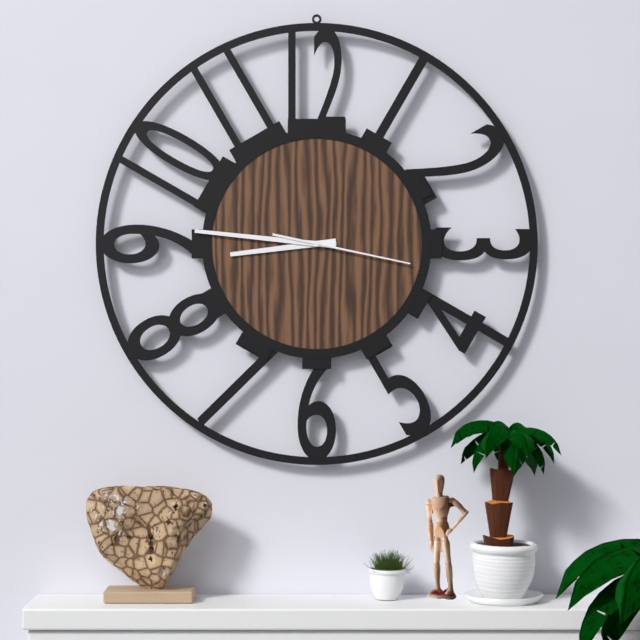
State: 8 h 46 min 17 s
